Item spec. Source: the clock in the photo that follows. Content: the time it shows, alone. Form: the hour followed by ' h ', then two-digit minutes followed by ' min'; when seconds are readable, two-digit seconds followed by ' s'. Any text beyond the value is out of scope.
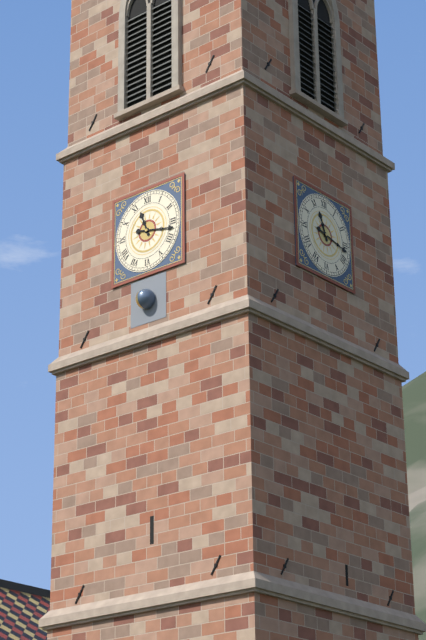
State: 11 h 17 min
